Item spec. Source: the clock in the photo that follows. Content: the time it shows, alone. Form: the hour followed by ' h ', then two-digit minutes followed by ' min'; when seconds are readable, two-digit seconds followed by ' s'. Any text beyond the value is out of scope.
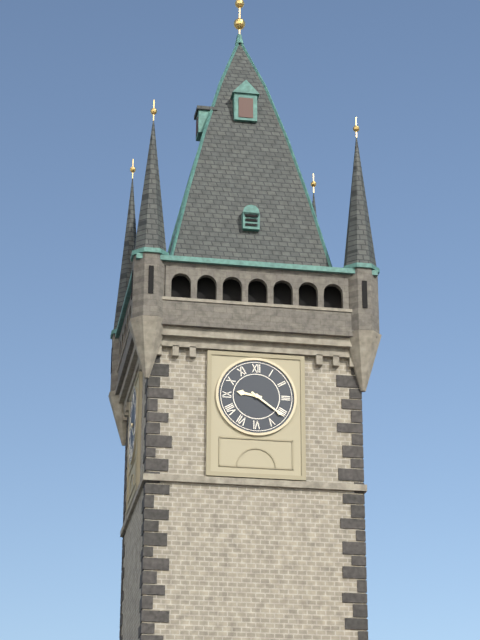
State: 9 h 21 min
